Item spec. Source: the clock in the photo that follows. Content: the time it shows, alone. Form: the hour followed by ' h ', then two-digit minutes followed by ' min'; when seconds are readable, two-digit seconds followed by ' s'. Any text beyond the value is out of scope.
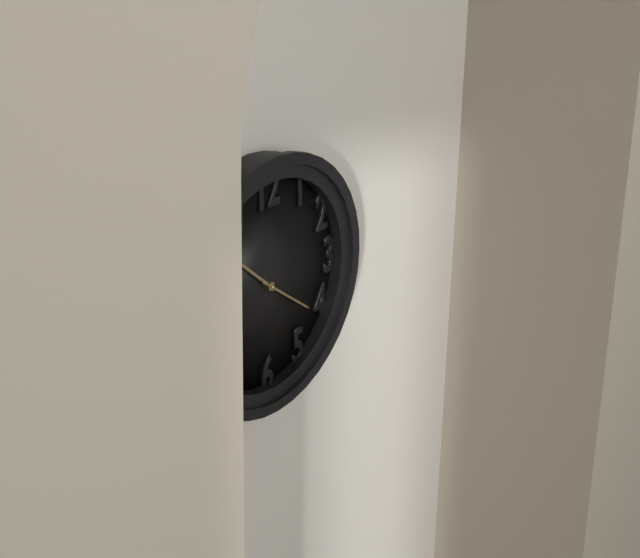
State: 10 h 21 min
